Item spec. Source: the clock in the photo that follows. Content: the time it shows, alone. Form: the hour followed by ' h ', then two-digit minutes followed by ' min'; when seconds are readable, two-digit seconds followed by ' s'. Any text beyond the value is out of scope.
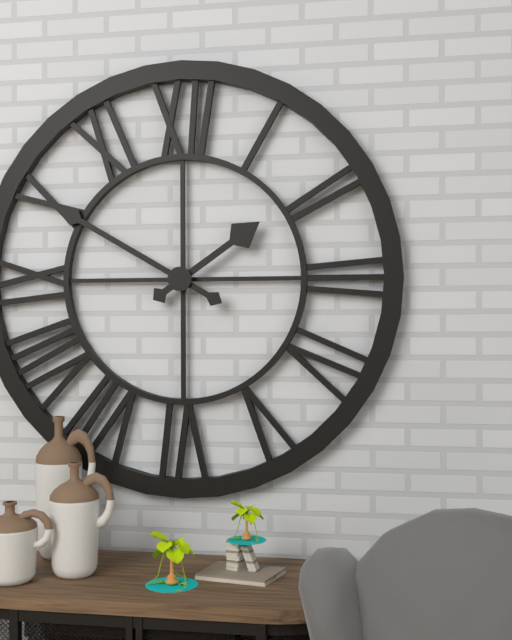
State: 1 h 50 min
